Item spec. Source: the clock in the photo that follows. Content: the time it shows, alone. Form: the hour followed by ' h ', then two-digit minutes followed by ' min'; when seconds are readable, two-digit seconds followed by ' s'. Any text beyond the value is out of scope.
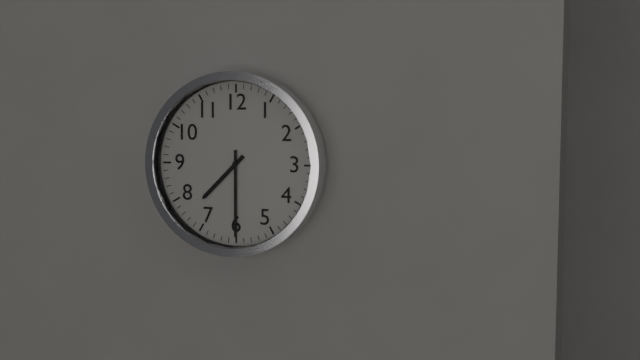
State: 7 h 30 min
